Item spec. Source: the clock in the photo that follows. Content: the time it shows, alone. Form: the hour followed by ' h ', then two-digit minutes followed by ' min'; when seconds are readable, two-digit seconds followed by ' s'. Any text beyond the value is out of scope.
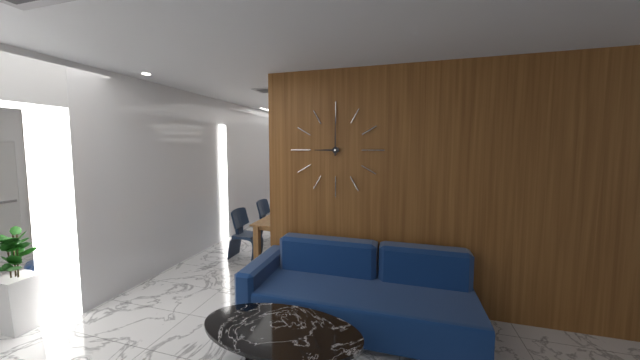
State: 9 h 00 min
